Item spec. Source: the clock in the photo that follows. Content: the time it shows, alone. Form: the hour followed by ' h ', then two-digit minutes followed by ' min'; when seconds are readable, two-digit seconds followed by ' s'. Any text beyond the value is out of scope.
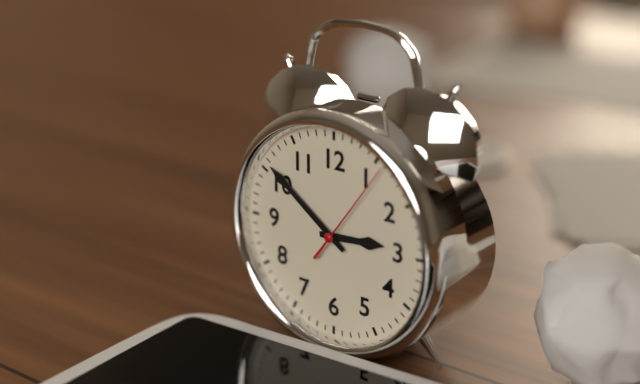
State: 2 h 51 min 06 s
